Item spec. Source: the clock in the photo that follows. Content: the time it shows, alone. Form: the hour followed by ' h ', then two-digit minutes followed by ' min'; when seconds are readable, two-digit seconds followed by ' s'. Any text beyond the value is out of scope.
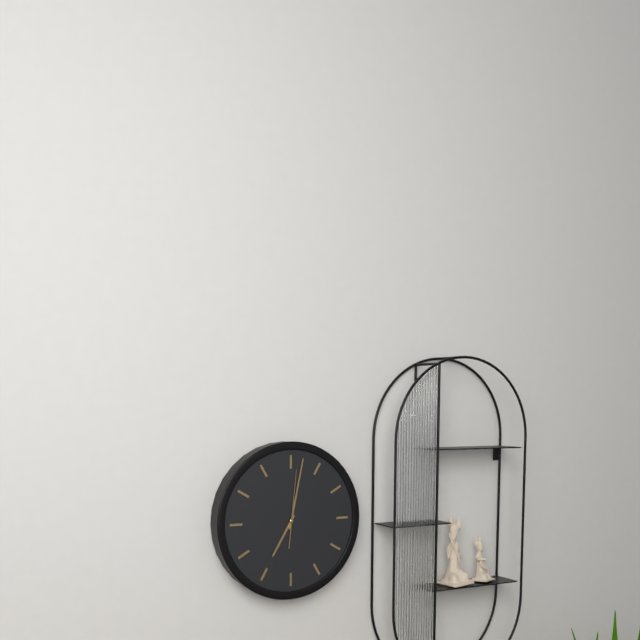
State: 7 h 02 min 01 s
